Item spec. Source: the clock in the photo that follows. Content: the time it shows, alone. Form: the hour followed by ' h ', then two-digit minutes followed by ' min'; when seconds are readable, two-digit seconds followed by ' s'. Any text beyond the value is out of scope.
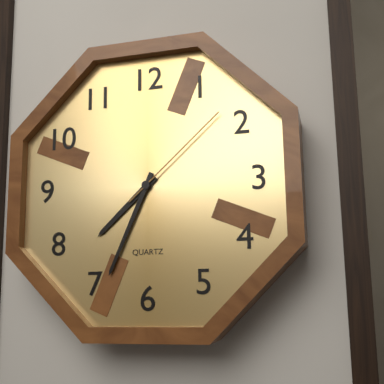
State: 7 h 34 min 08 s
